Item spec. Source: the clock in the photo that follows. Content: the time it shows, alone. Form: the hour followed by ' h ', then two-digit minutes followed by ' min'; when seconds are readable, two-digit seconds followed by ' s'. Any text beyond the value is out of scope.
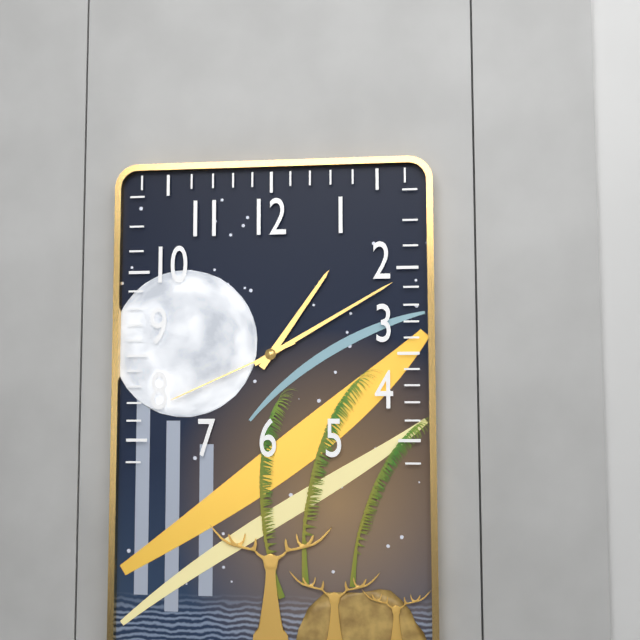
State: 1 h 10 min 41 s
